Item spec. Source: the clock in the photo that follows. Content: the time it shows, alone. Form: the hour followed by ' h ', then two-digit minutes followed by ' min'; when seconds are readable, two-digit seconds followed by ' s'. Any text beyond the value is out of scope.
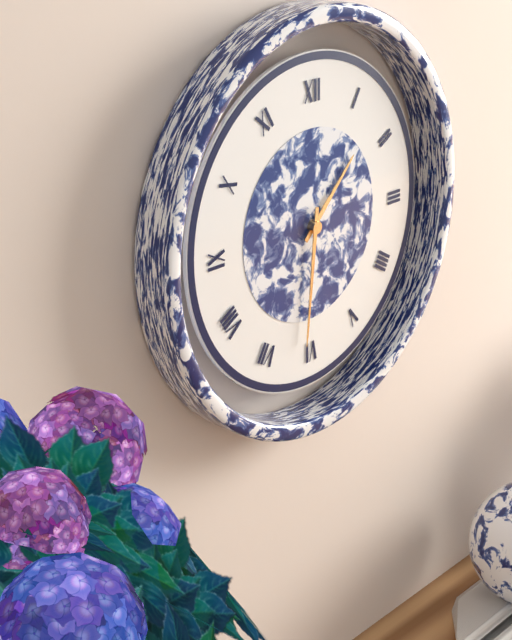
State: 1 h 31 min
